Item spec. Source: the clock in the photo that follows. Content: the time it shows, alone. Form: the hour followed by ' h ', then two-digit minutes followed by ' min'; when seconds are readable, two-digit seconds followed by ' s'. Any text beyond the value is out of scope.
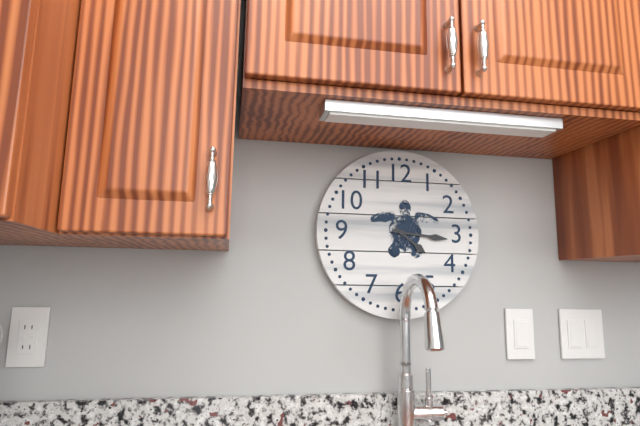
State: 4 h 16 min
